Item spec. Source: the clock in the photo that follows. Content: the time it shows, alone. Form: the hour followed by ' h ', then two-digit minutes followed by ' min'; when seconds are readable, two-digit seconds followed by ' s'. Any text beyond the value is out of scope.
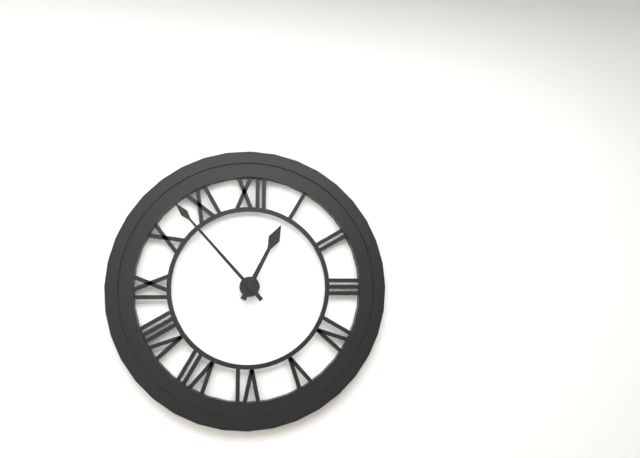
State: 12 h 53 min
